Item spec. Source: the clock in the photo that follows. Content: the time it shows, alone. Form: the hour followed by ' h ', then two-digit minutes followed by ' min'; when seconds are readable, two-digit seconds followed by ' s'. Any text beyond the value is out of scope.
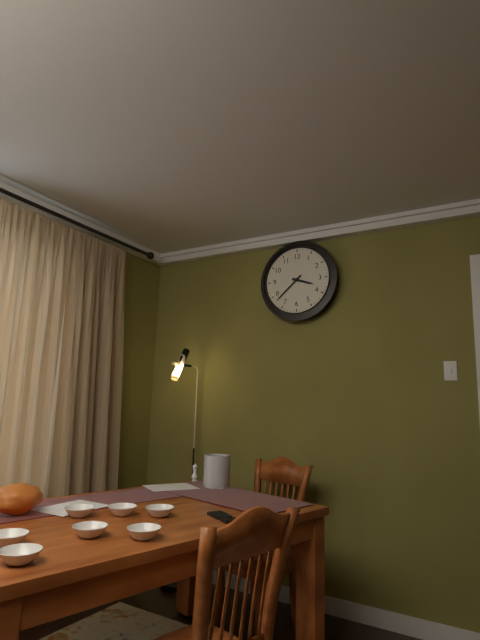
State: 3 h 38 min
